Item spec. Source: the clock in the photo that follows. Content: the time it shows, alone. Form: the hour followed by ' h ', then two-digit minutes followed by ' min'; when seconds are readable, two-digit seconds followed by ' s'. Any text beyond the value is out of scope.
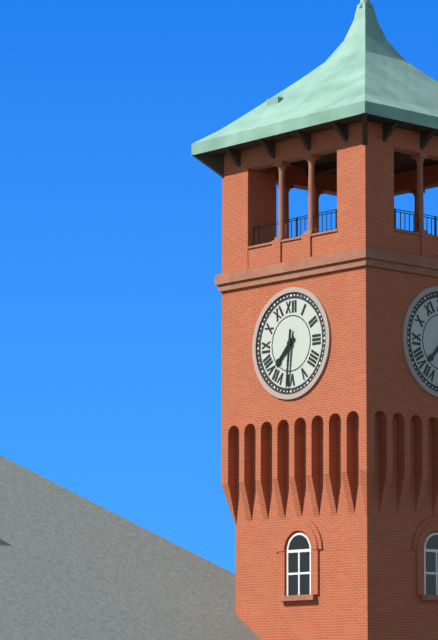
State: 7 h 31 min
